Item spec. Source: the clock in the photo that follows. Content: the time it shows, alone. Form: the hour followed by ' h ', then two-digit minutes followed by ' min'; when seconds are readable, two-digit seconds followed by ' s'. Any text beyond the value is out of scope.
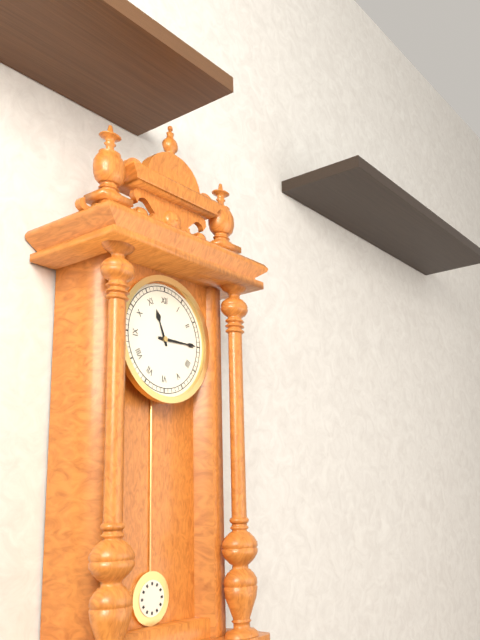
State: 11 h 15 min
